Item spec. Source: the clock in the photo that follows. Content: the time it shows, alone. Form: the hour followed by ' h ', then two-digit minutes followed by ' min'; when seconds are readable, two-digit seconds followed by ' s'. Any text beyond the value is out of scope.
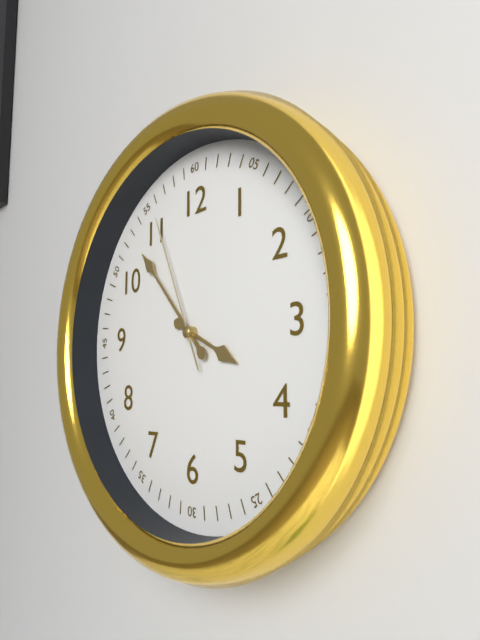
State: 3 h 53 min 56 s
